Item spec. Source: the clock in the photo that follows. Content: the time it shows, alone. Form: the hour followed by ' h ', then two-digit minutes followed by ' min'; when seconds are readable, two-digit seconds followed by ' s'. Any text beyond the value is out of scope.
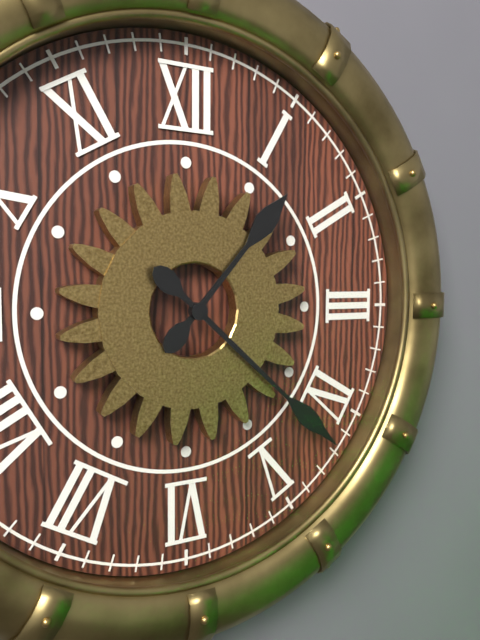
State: 1 h 22 min
